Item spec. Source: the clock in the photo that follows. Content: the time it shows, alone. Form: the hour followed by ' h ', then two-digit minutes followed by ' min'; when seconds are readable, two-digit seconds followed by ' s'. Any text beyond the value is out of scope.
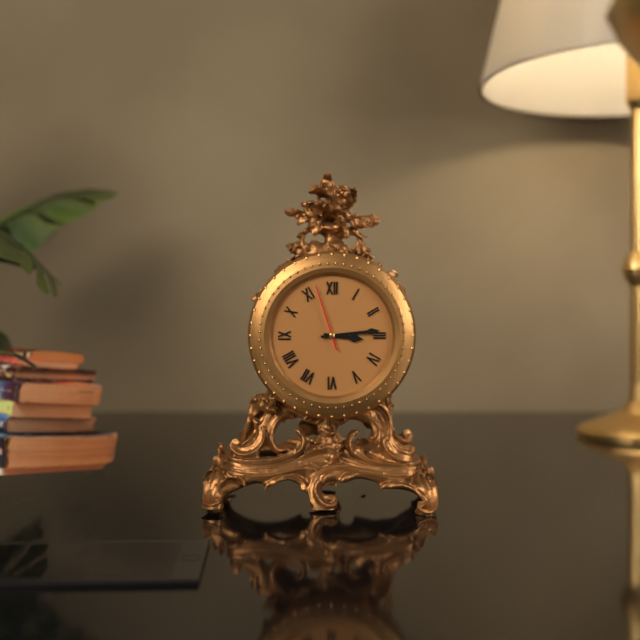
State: 3 h 14 min 57 s
